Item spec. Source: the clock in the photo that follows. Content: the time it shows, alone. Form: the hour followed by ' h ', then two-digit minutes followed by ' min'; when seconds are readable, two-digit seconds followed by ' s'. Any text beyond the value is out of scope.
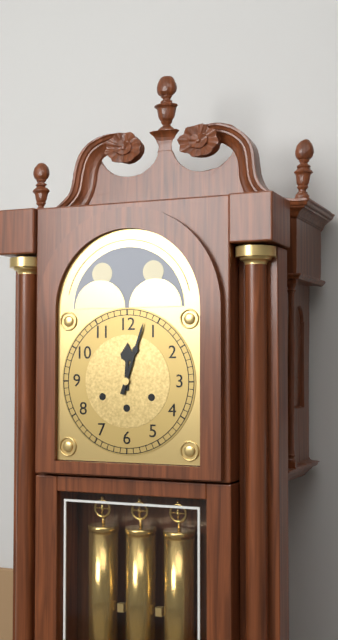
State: 12 h 03 min
